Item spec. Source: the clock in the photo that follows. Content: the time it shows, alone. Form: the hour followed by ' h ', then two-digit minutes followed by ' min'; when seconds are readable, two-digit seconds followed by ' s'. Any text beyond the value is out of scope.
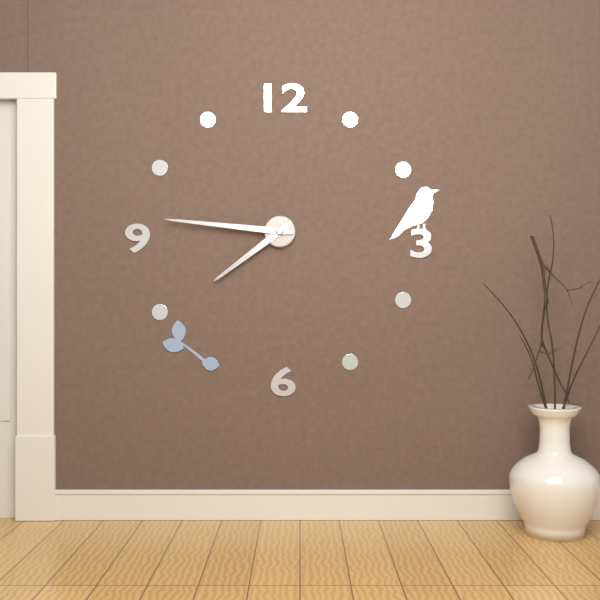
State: 7 h 46 min
